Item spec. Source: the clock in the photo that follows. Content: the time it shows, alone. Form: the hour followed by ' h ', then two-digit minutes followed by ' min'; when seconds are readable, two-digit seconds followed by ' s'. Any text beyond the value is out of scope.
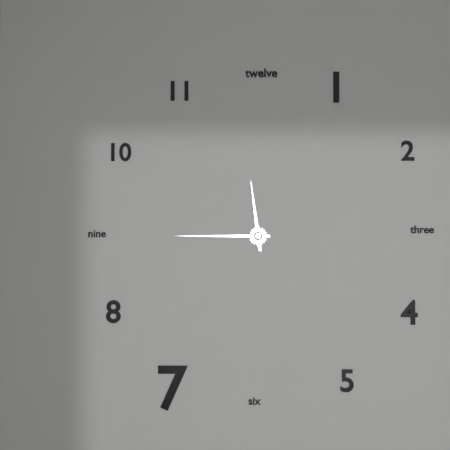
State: 11 h 45 min
